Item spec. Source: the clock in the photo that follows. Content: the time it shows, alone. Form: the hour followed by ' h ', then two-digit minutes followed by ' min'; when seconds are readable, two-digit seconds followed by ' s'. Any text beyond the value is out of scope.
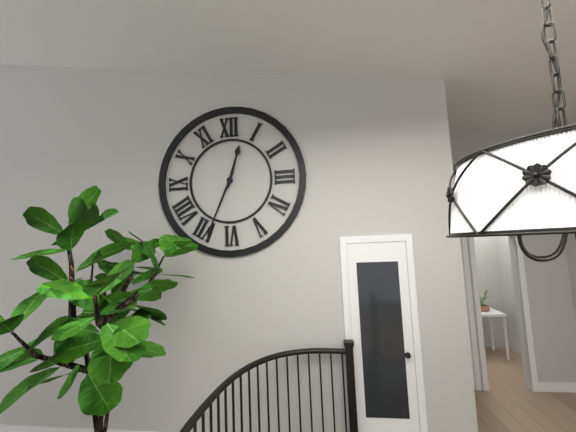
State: 12 h 34 min
